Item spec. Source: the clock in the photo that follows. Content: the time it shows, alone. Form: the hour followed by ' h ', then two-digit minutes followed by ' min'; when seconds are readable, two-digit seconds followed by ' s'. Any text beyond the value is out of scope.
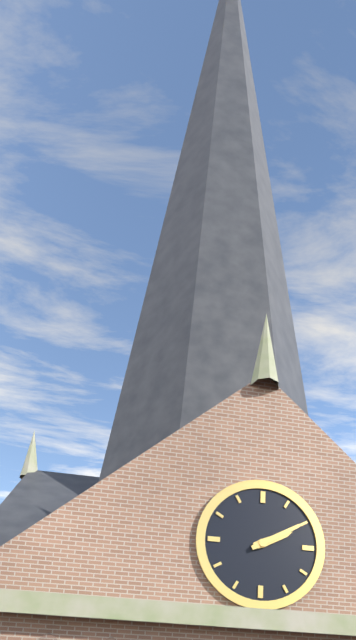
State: 2 h 10 min
